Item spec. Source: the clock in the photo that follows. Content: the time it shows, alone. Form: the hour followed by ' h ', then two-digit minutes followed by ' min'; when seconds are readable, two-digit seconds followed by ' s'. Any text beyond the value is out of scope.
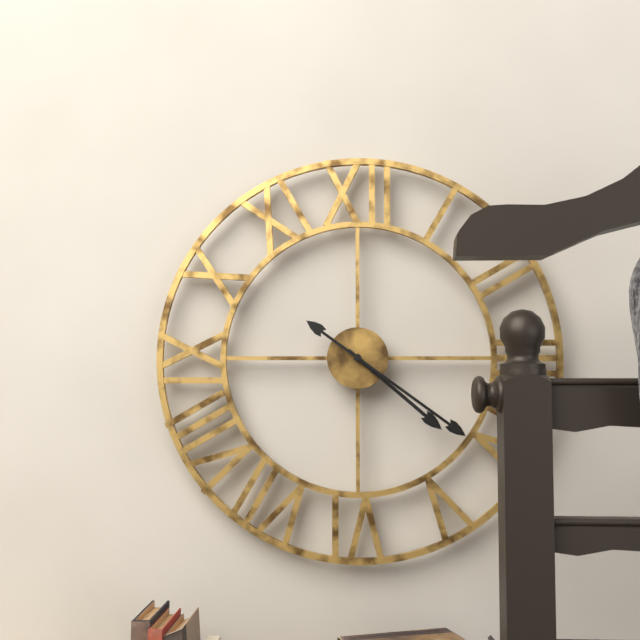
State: 4 h 21 min
